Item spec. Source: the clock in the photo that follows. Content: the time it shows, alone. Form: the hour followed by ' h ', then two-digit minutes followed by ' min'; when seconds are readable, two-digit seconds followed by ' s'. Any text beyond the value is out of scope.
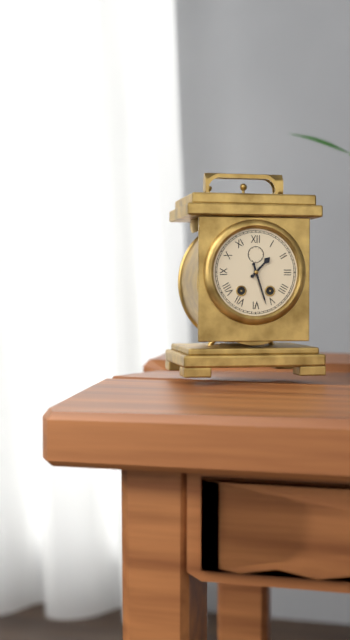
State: 1 h 27 min
